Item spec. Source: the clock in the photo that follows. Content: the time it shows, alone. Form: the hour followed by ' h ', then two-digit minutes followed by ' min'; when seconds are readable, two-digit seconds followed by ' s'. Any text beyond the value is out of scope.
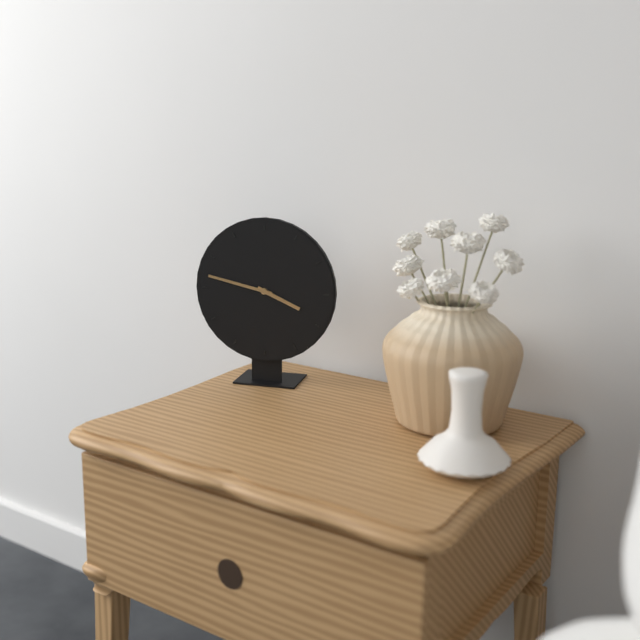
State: 3 h 47 min
